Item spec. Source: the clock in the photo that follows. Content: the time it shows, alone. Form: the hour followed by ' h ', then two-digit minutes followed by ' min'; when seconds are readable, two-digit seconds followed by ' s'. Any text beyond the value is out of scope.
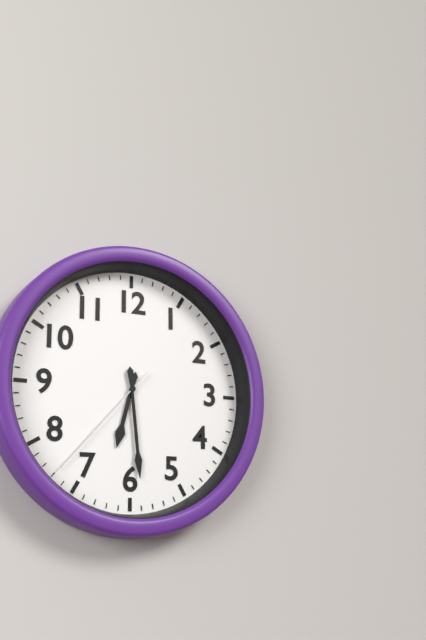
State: 6 h 29 min 37 s
